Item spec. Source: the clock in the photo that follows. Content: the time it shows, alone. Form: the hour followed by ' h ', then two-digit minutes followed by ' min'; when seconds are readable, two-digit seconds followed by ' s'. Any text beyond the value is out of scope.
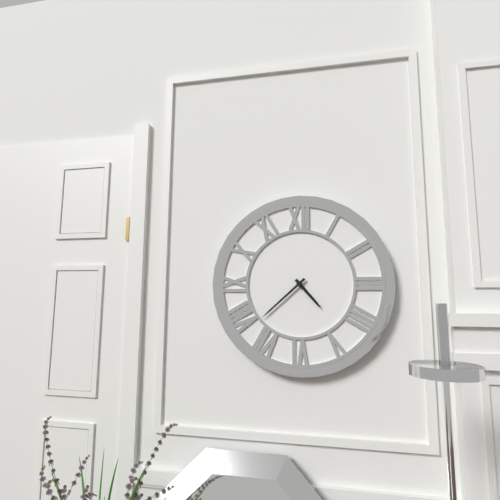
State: 4 h 38 min
